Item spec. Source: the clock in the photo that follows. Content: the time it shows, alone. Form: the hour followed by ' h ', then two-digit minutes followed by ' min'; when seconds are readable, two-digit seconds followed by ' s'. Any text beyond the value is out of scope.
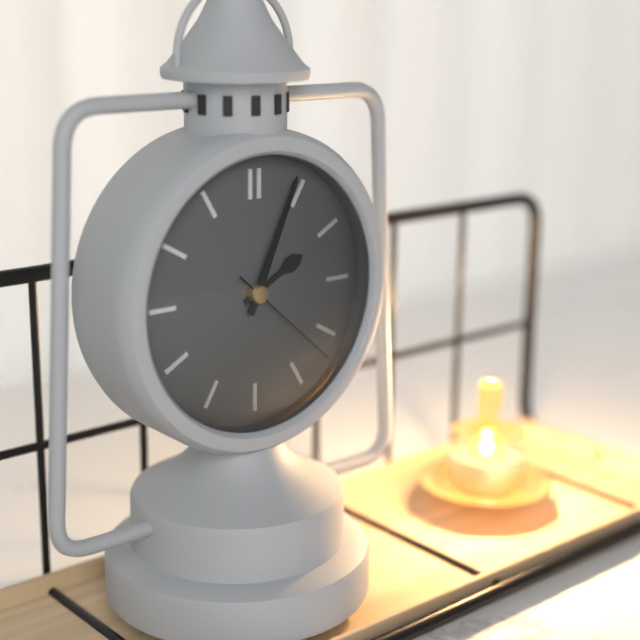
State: 2 h 04 min 22 s
